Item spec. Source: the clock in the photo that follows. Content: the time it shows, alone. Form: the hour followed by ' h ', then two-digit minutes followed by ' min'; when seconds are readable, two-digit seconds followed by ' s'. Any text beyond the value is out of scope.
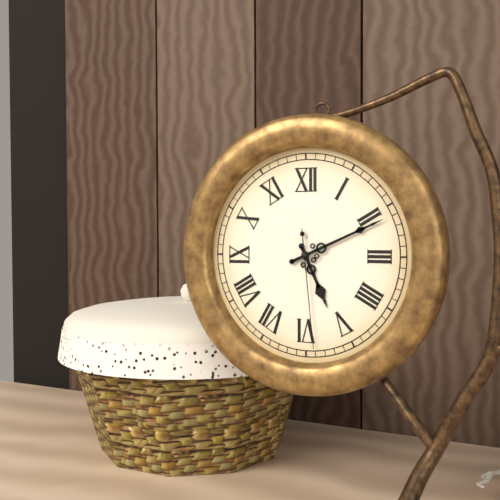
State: 5 h 11 min 29 s
